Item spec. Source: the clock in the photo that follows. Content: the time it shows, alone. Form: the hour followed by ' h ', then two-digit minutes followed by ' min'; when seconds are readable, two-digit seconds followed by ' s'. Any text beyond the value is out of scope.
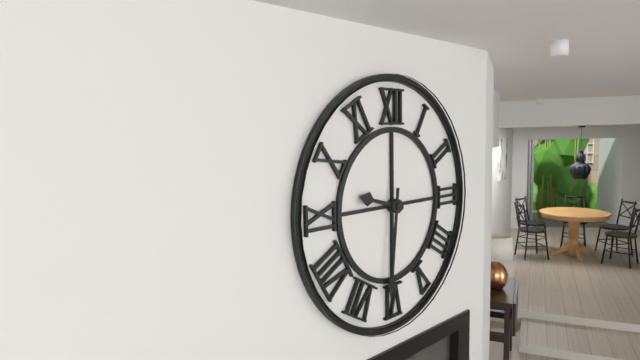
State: 9 h 31 min
